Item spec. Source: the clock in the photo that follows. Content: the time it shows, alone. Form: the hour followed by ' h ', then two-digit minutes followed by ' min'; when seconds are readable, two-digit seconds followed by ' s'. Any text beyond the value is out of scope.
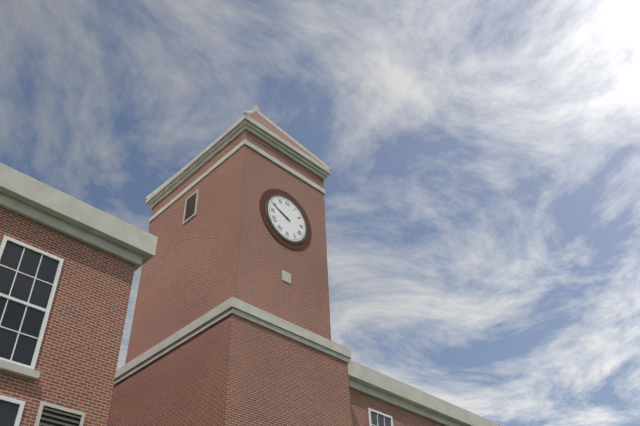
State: 9 h 49 min
